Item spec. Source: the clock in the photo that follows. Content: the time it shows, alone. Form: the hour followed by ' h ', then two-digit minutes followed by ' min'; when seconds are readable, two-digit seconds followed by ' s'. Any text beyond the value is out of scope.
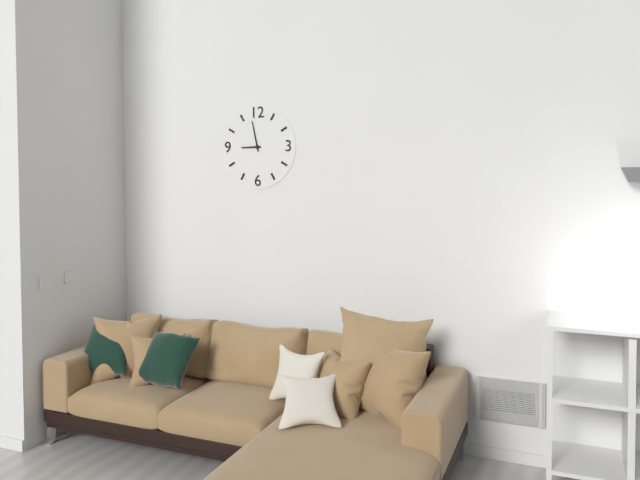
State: 8 h 58 min
